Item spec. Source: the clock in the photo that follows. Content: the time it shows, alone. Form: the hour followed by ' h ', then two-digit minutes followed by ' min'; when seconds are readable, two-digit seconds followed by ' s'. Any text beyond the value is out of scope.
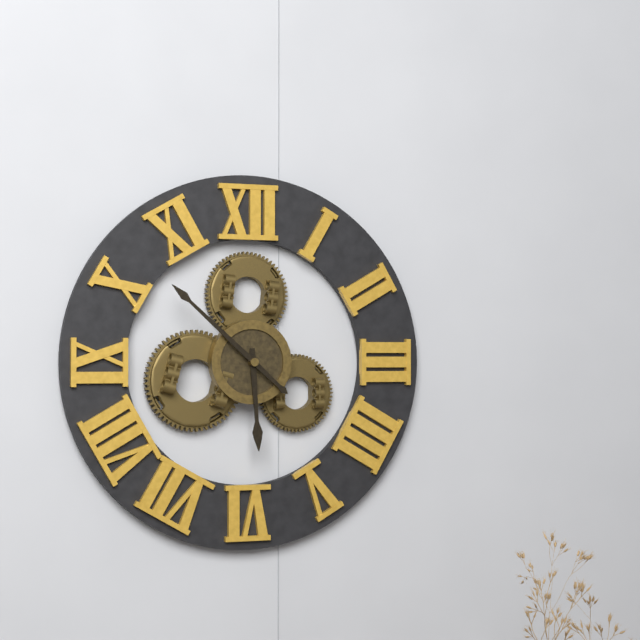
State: 5 h 52 min
